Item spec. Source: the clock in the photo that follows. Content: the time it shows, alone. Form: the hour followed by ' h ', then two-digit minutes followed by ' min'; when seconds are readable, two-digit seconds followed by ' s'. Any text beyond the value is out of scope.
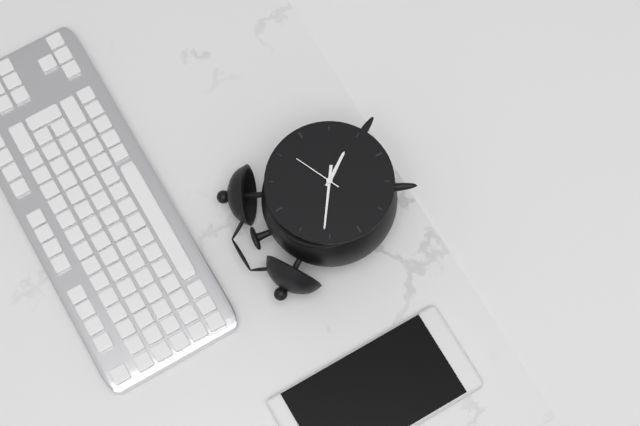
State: 4 h 51 min 11 s
